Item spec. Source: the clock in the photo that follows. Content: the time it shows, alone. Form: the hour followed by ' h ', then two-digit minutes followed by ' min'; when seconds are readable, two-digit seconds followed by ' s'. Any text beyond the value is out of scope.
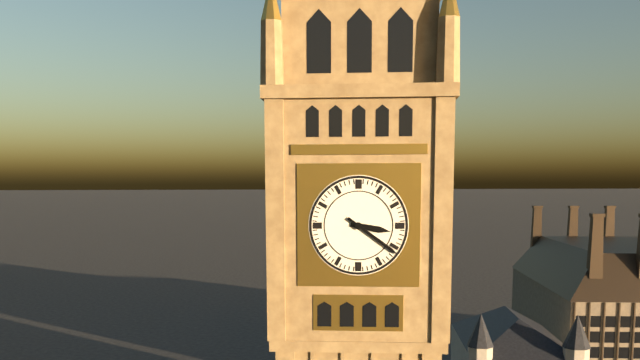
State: 3 h 21 min
